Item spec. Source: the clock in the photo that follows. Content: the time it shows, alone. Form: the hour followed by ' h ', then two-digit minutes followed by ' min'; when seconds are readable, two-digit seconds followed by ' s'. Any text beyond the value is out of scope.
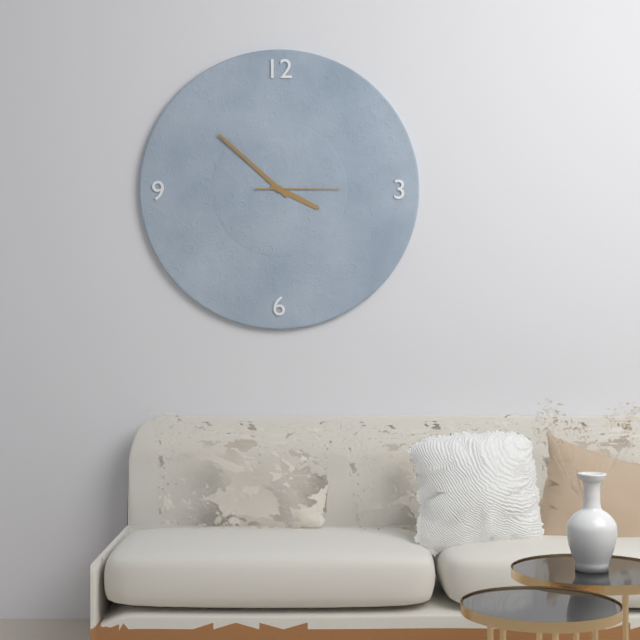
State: 3 h 52 min 15 s
